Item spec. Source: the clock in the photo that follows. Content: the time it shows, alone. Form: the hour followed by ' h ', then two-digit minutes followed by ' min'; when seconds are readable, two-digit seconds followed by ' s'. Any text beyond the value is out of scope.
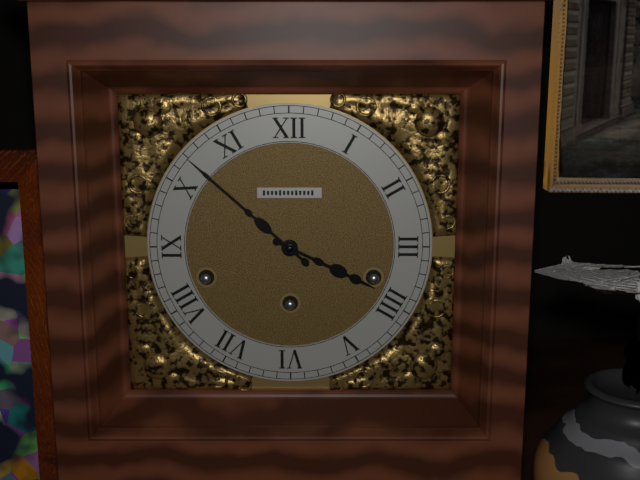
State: 3 h 52 min
